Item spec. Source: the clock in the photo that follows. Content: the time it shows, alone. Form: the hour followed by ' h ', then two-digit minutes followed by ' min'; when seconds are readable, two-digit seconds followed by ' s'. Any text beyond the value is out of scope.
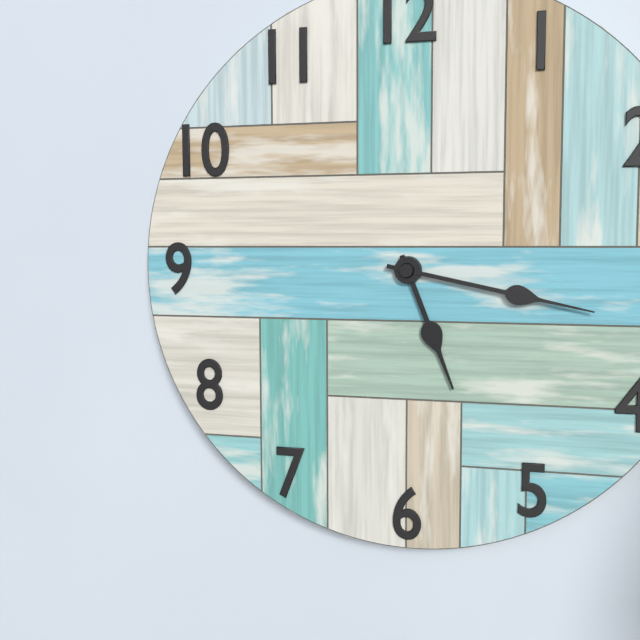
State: 5 h 17 min
